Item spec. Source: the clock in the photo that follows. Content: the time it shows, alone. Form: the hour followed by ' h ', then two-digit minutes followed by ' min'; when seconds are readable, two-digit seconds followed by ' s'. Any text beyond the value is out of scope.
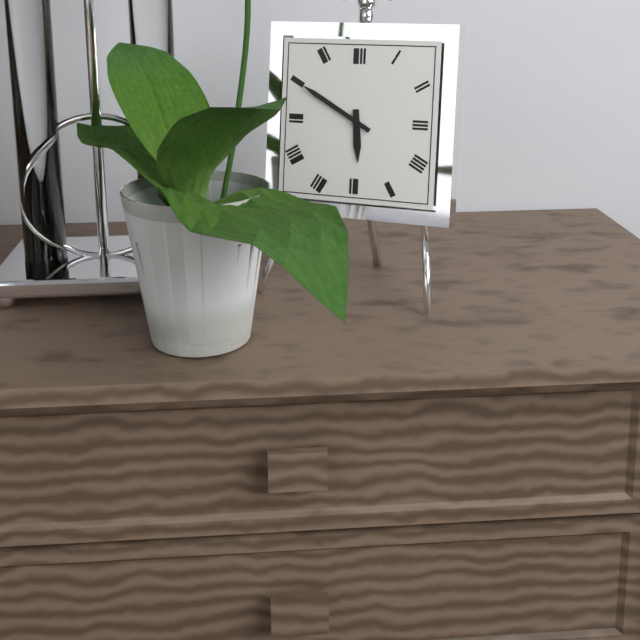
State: 5 h 50 min
